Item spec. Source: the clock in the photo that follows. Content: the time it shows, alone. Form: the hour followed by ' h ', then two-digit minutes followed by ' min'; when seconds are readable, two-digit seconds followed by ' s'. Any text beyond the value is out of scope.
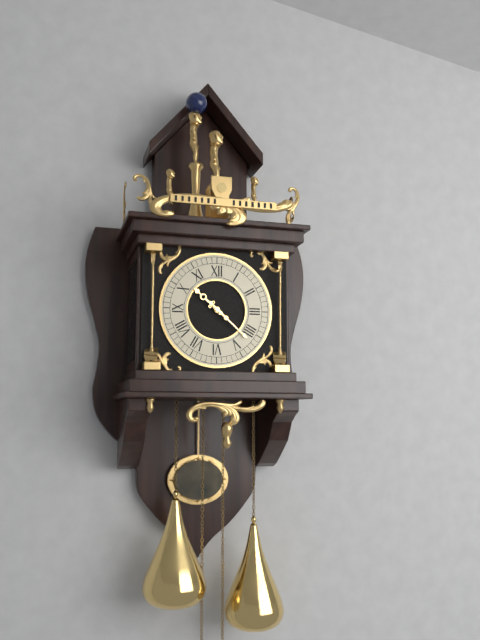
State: 10 h 22 min
